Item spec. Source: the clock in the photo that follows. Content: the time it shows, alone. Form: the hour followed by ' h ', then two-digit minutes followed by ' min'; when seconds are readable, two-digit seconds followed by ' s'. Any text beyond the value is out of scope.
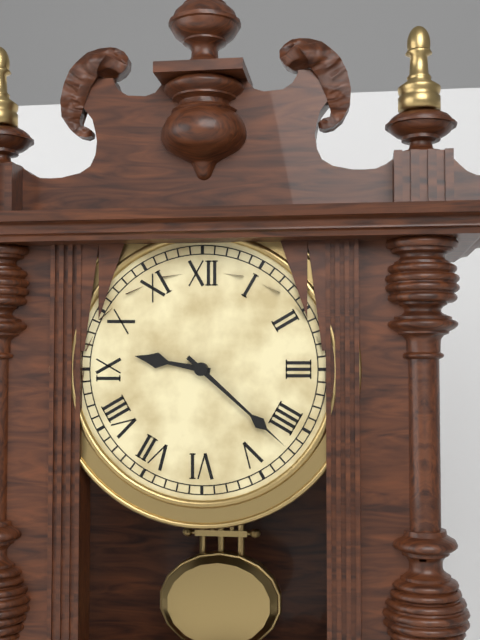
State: 9 h 22 min
